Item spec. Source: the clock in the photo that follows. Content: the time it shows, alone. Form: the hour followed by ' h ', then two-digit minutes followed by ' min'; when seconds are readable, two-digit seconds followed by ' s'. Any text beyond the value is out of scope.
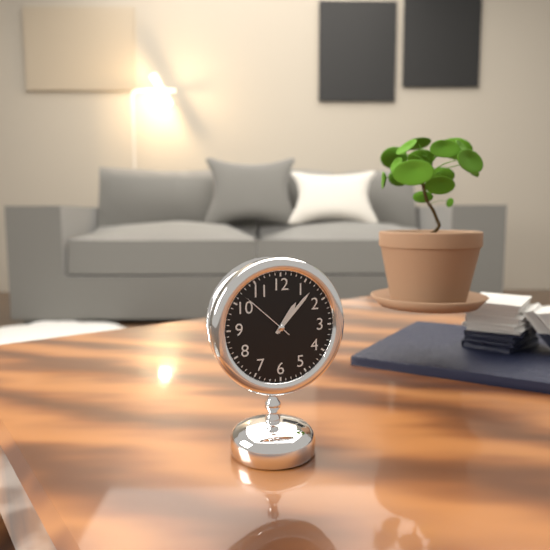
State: 1 h 07 min 52 s
